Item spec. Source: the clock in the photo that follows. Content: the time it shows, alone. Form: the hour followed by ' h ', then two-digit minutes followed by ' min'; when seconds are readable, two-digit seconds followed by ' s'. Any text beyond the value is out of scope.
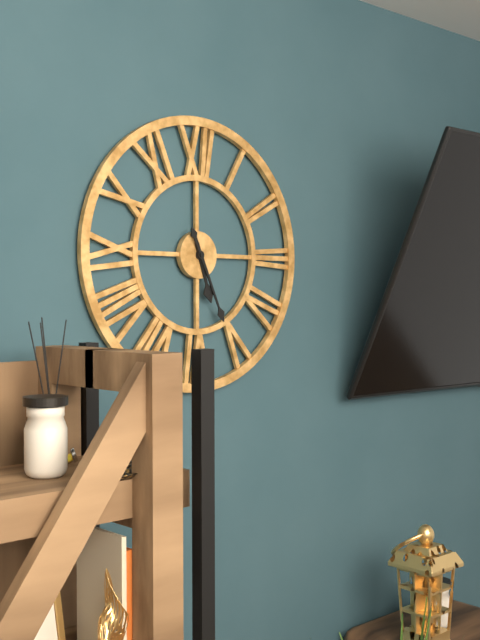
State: 5 h 26 min
